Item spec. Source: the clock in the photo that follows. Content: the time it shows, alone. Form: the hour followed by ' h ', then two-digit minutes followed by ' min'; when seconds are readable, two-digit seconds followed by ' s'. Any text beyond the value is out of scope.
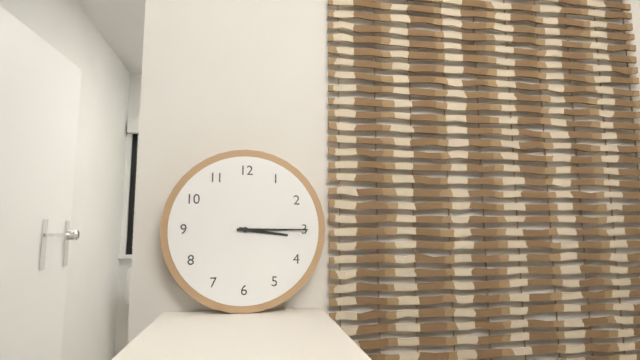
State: 3 h 15 min
